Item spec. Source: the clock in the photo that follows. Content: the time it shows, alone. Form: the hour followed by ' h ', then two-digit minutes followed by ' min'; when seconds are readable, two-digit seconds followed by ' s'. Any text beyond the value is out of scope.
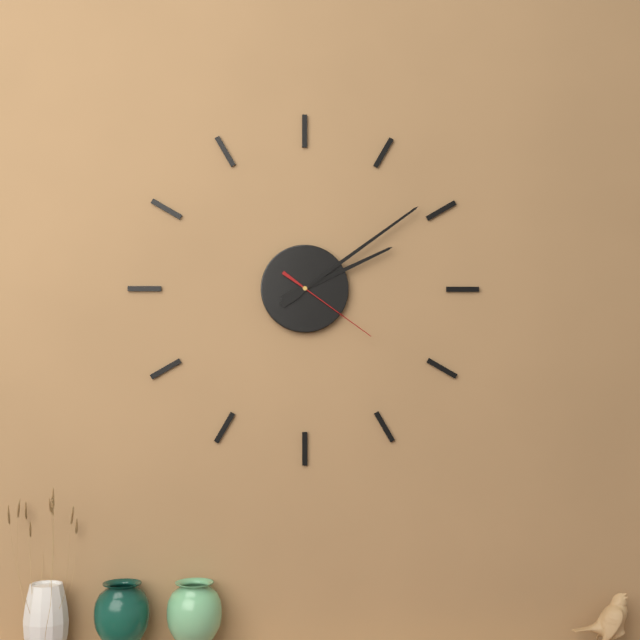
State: 2 h 09 min 21 s
